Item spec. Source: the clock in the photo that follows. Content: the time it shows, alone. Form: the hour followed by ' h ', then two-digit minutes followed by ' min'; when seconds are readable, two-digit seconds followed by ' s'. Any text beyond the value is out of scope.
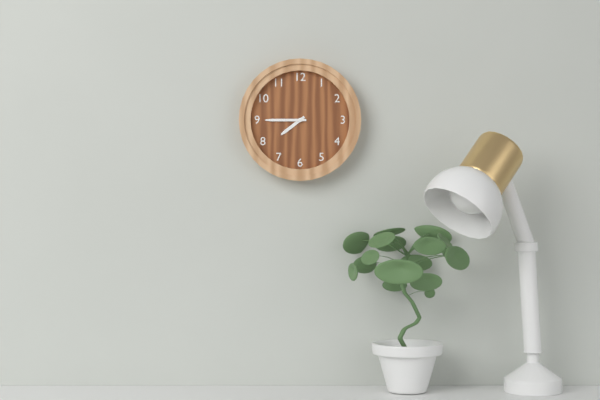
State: 7 h 45 min
